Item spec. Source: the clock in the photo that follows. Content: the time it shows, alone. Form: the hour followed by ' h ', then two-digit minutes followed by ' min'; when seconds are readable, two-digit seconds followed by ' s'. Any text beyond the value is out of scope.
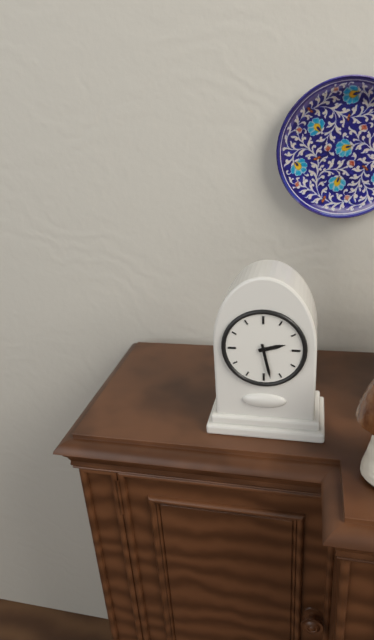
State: 2 h 28 min
